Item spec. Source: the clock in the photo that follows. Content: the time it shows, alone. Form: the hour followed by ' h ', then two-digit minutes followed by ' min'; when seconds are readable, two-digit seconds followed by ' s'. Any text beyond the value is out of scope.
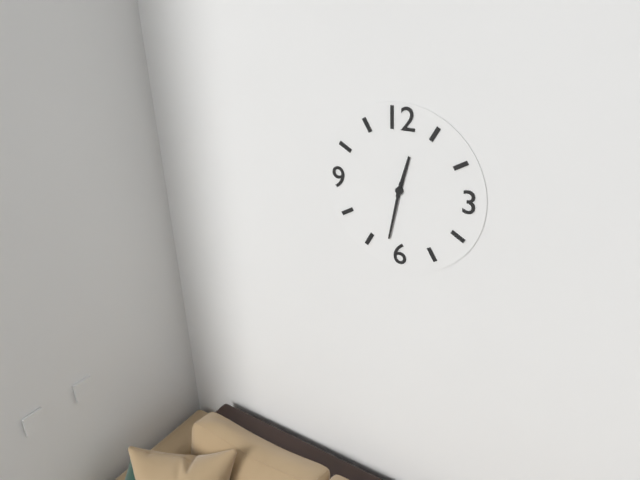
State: 12 h 32 min
